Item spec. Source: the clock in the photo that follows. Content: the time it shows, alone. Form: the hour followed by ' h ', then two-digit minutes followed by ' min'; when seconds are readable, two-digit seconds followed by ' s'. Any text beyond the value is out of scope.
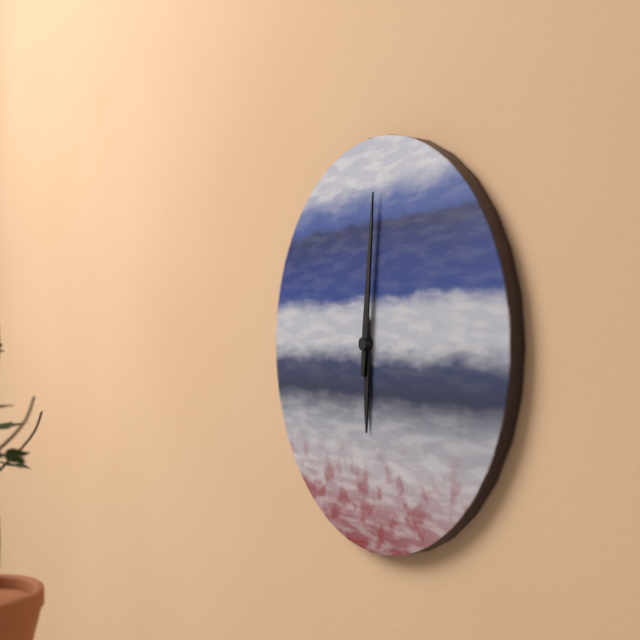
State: 6 h 01 min
